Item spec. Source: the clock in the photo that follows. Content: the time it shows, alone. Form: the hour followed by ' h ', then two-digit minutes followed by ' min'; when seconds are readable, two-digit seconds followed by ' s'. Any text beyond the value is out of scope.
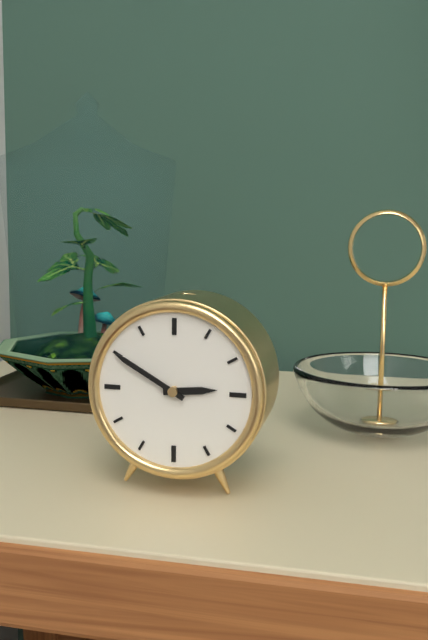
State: 2 h 50 min
